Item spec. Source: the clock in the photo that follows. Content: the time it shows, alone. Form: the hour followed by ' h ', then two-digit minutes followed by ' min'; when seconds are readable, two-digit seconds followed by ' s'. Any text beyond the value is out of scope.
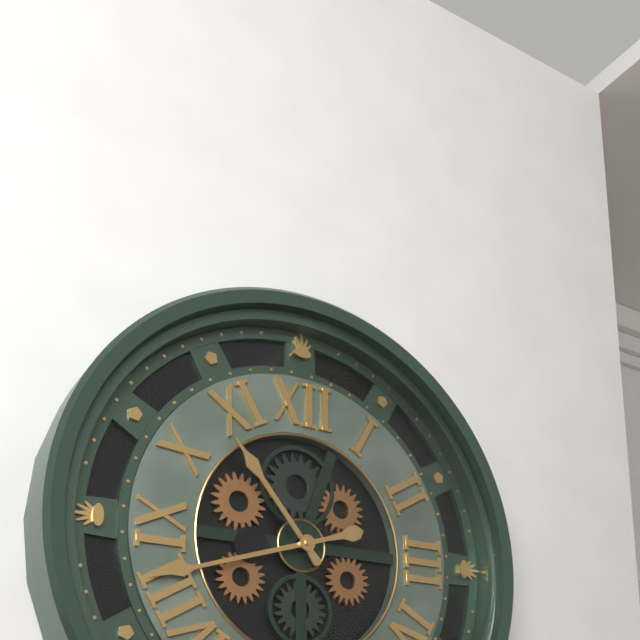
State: 10 h 42 min
